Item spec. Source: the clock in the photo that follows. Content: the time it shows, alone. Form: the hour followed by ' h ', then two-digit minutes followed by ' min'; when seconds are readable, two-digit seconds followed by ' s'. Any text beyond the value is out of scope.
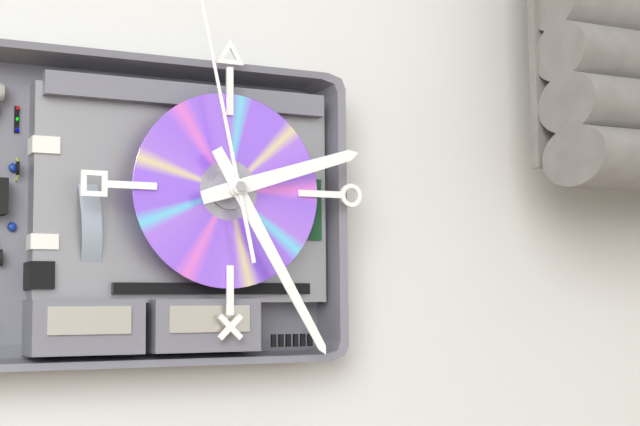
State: 2 h 25 min
